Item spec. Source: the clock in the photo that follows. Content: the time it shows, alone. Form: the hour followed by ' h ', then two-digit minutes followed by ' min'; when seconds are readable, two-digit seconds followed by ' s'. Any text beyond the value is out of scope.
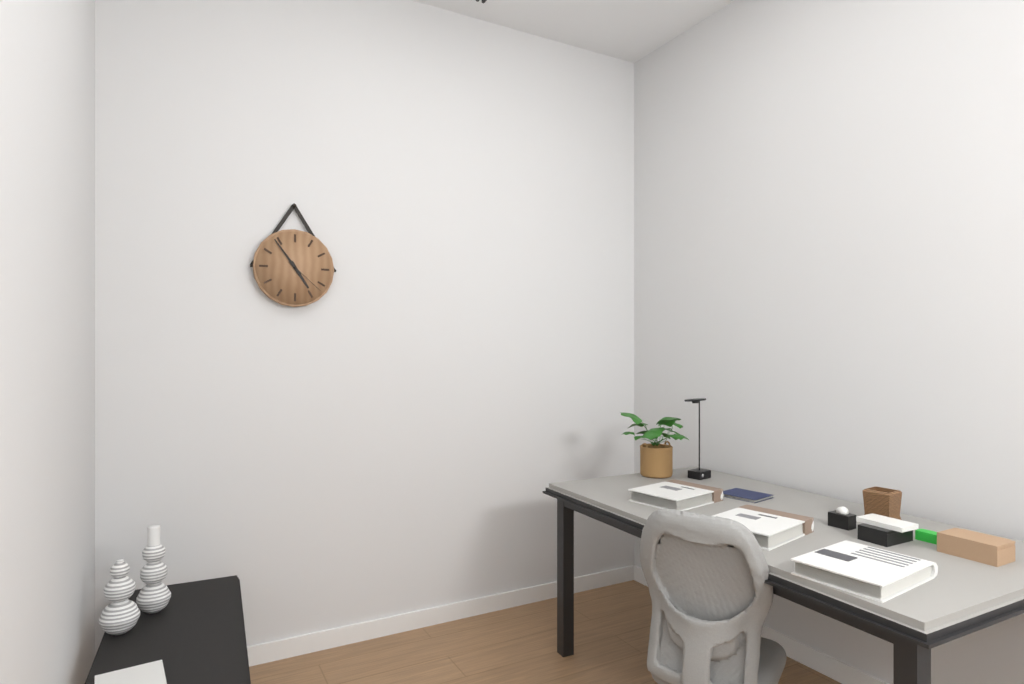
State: 4 h 54 min
